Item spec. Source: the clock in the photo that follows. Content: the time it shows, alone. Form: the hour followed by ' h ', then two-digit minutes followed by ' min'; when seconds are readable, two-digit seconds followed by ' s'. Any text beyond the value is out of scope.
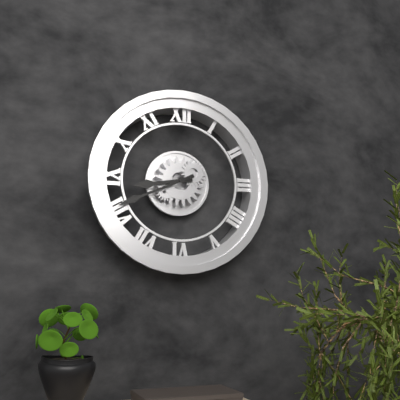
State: 8 h 41 min
